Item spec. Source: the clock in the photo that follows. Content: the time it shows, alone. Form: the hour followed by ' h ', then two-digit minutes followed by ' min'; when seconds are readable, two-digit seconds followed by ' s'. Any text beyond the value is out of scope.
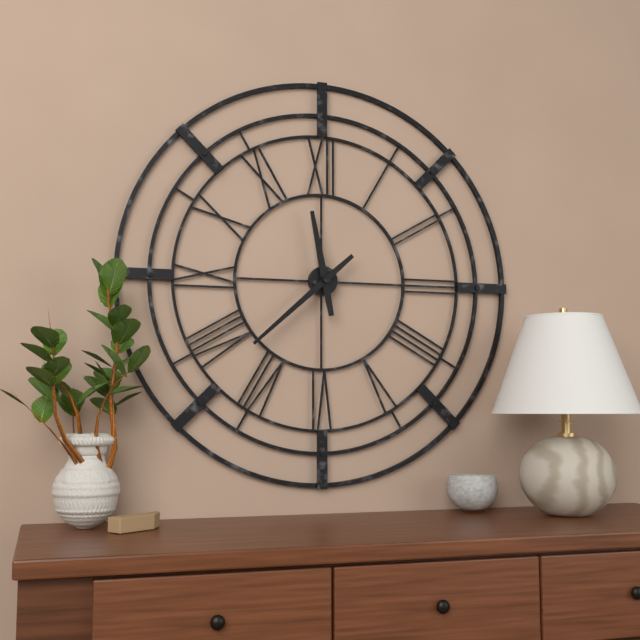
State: 11 h 38 min
